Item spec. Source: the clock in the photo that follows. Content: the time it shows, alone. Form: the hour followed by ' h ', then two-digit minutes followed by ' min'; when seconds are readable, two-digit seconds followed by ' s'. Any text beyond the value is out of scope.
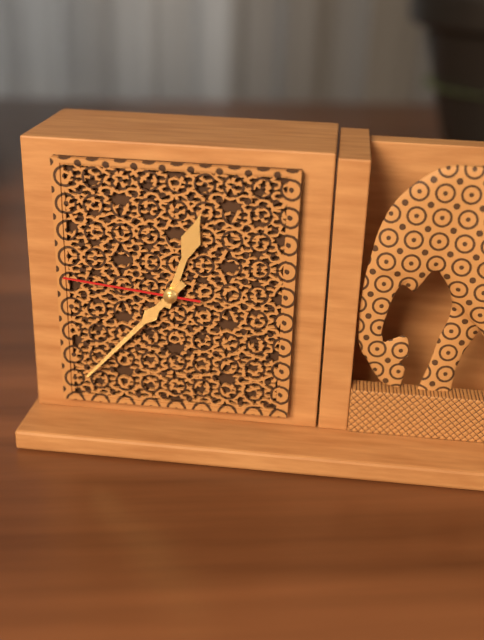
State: 12 h 37 min 46 s
